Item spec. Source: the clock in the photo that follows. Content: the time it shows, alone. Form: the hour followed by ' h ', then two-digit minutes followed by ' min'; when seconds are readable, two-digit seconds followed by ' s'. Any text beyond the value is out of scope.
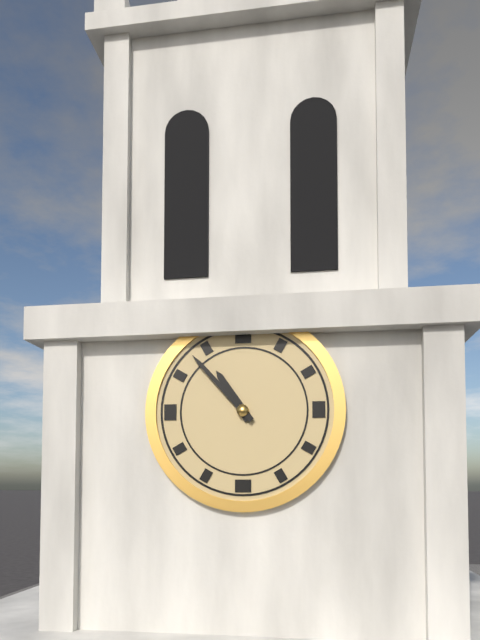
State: 10 h 53 min
